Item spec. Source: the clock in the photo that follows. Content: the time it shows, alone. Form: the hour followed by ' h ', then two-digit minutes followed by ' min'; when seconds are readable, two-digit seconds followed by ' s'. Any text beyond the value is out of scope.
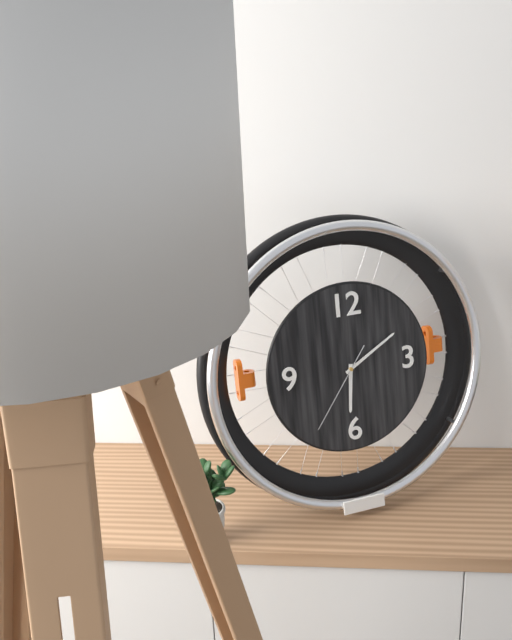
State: 6 h 10 min 36 s
